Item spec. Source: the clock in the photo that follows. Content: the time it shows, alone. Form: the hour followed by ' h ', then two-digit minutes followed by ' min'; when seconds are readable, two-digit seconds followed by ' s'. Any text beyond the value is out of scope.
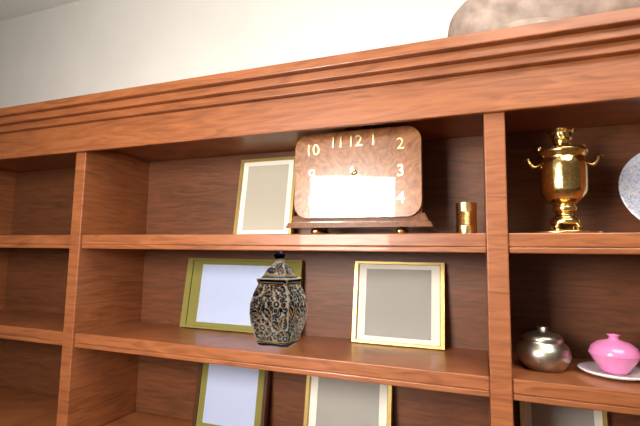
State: 4 h 26 min
